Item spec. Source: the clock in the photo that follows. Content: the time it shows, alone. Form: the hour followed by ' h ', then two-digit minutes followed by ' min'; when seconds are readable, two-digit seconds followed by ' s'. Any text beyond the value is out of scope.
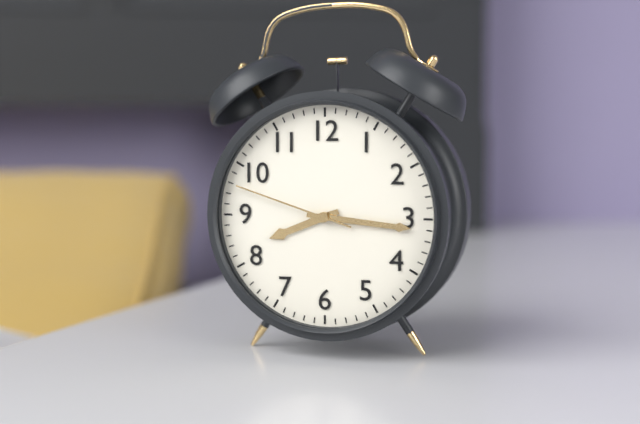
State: 8 h 16 min 48 s
